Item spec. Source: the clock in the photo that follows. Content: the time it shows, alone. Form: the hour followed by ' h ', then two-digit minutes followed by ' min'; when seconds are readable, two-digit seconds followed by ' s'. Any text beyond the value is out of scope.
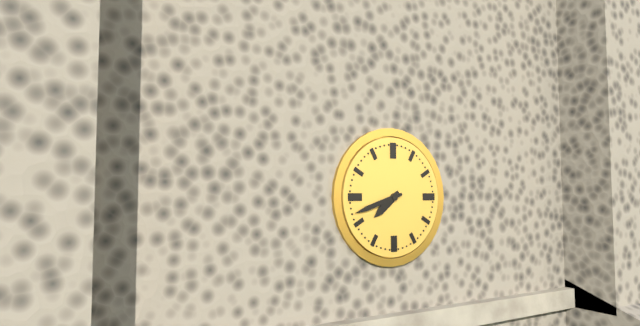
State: 7 h 42 min
